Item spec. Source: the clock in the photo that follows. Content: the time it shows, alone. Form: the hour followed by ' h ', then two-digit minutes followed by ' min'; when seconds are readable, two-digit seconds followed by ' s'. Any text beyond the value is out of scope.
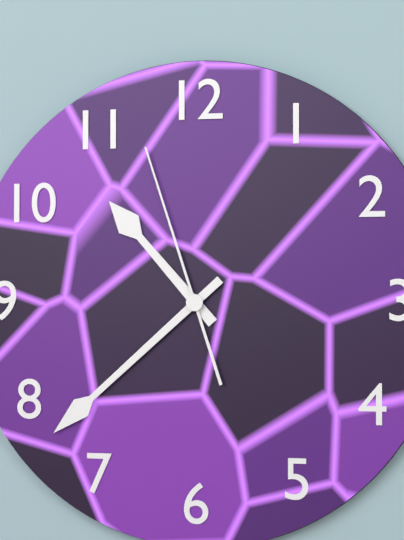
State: 10 h 38 min 57 s
